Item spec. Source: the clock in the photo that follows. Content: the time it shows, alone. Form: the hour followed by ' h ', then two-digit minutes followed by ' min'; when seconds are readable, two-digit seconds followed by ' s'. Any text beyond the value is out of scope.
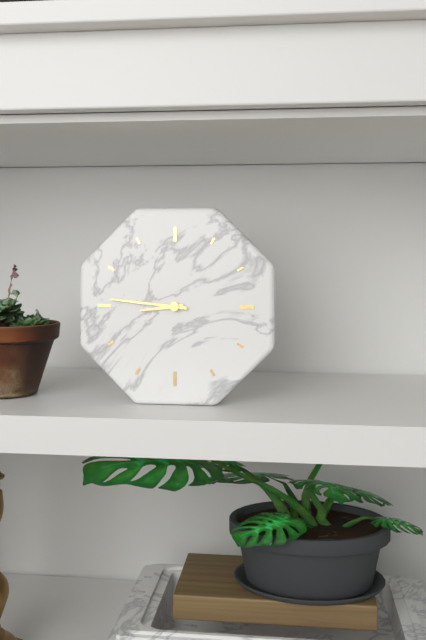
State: 8 h 46 min
